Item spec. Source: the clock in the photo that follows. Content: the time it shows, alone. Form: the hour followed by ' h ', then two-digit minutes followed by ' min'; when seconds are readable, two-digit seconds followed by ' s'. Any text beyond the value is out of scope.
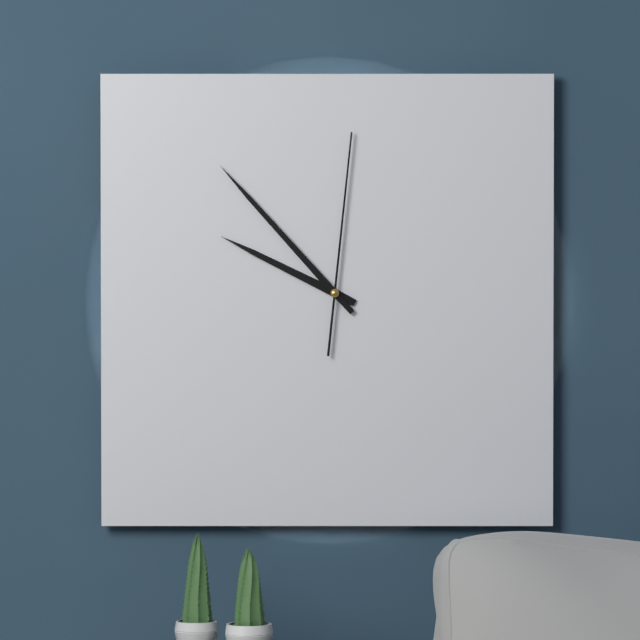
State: 9 h 53 min 01 s
